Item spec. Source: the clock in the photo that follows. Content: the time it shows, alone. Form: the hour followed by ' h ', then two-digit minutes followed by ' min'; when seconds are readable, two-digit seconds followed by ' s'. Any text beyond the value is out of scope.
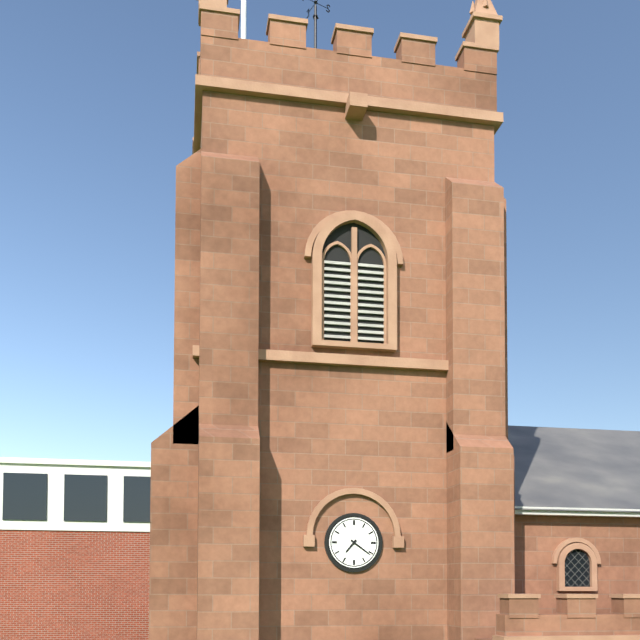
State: 7 h 21 min
